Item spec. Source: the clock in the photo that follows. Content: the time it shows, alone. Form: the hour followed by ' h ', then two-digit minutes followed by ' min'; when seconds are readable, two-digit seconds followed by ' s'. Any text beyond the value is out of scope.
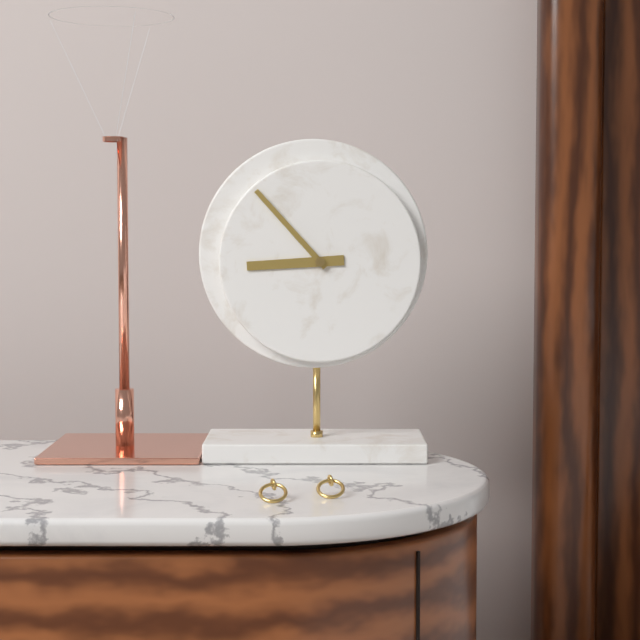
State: 8 h 53 min
